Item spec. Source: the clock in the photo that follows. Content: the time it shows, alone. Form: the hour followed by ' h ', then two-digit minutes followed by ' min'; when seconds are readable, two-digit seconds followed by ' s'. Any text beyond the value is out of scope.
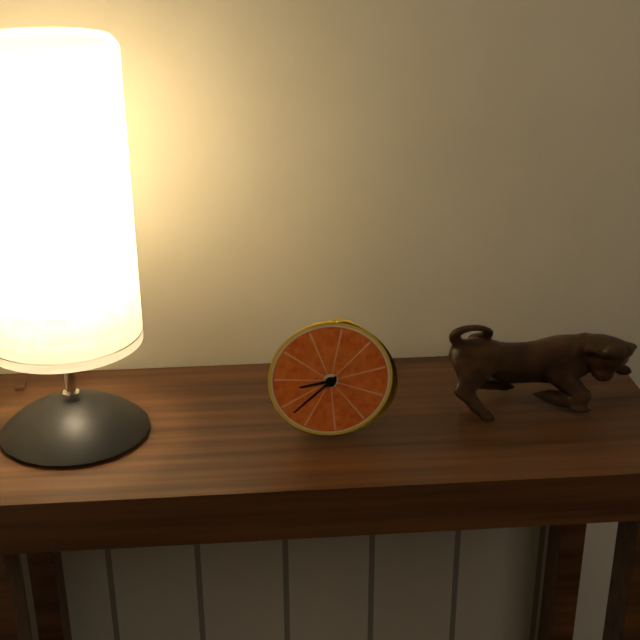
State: 8 h 38 min
